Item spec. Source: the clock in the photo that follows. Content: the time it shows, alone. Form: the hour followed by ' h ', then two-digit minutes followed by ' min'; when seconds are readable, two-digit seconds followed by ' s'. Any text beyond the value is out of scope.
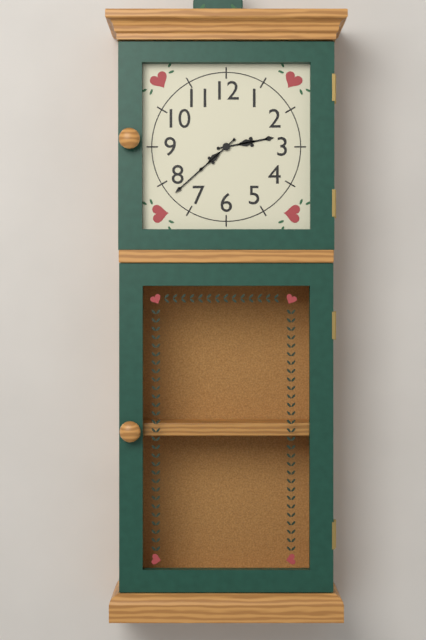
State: 2 h 38 min
